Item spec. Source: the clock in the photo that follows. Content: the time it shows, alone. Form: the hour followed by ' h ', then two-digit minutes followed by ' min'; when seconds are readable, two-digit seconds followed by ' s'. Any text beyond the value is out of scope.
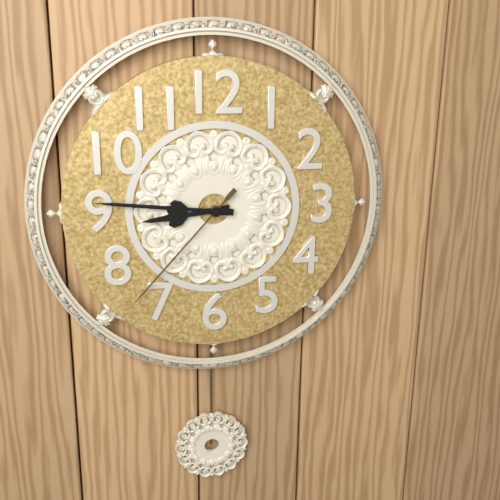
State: 8 h 46 min 37 s
